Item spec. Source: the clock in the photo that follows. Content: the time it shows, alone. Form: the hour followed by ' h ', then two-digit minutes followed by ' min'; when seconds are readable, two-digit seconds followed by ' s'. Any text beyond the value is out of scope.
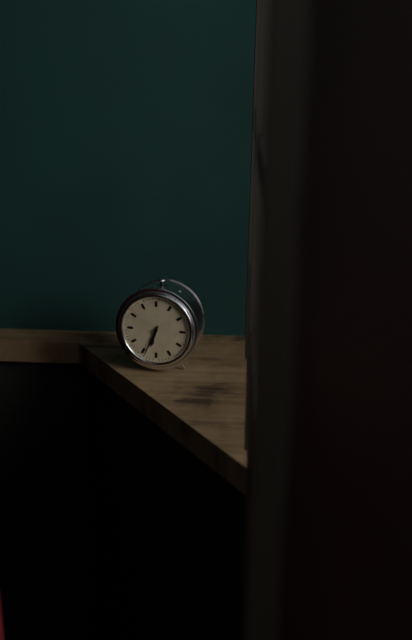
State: 6 h 34 min
